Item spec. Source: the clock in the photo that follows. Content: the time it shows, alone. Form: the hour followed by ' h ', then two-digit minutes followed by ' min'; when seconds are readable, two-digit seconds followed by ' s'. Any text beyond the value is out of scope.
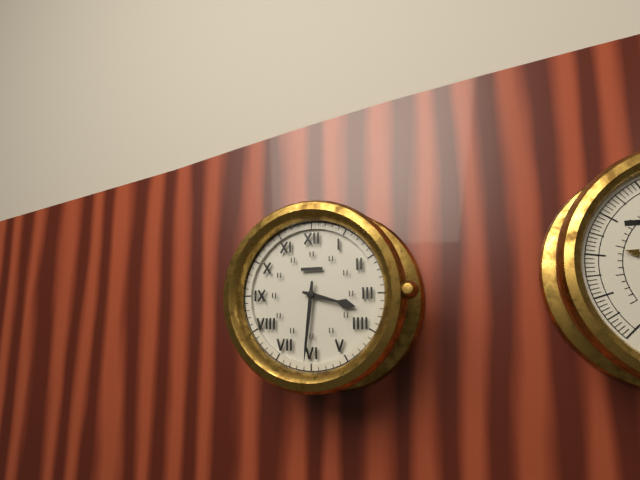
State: 3 h 31 min
